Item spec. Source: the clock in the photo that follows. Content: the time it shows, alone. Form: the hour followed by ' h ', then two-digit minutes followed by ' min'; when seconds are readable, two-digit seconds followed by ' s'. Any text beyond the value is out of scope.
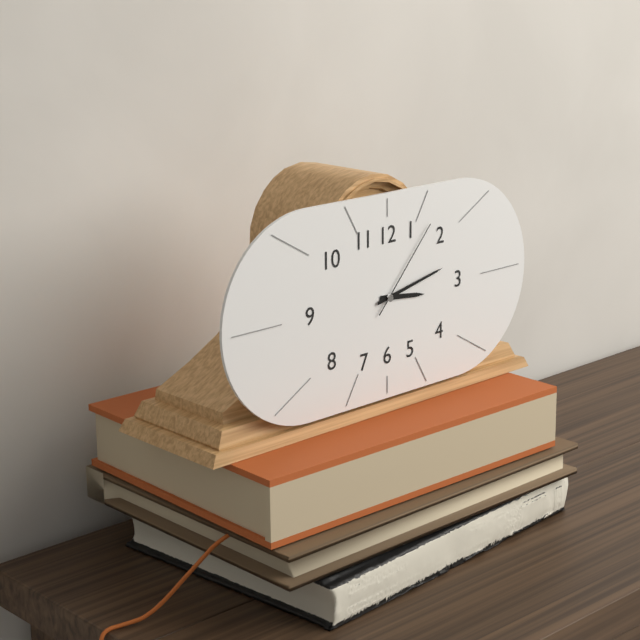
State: 3 h 13 min 07 s
